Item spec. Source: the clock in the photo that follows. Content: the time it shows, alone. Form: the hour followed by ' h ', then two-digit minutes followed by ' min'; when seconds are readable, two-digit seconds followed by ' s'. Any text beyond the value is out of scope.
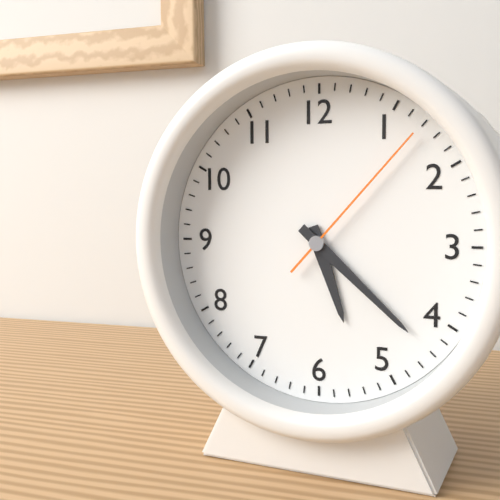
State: 5 h 22 min 07 s
